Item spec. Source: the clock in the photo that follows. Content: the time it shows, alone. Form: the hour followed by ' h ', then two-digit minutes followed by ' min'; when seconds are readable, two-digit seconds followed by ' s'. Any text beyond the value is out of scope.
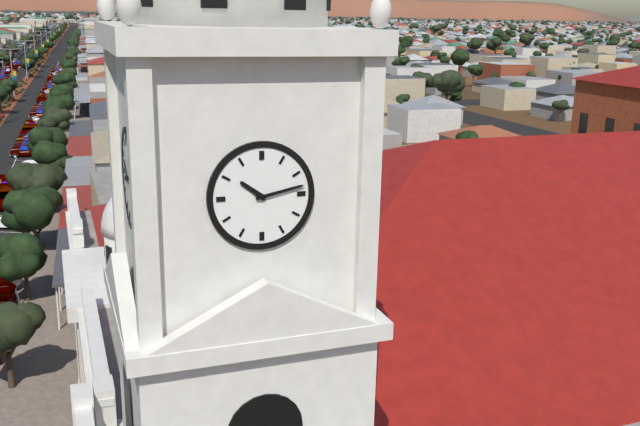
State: 10 h 13 min
